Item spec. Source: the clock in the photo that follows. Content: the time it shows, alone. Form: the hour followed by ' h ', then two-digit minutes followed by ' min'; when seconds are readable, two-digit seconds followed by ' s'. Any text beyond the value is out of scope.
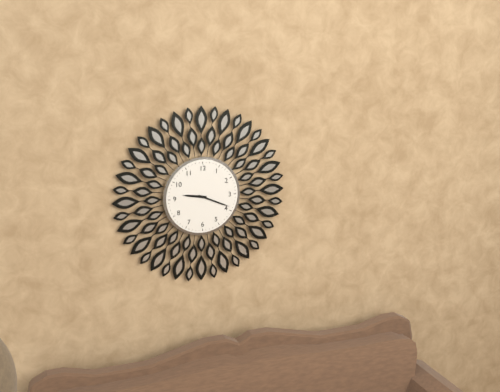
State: 9 h 19 min
